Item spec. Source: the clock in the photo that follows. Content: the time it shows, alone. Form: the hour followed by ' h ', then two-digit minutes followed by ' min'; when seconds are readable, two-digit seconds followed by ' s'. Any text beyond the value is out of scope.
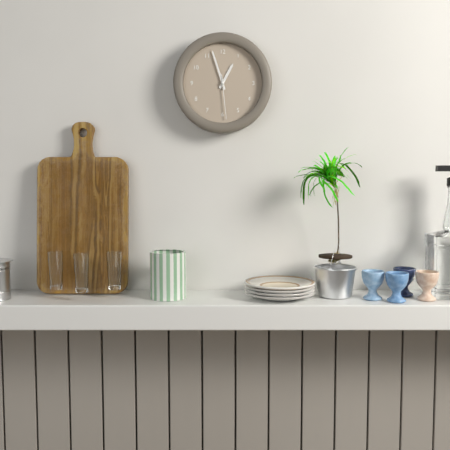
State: 12 h 57 min
